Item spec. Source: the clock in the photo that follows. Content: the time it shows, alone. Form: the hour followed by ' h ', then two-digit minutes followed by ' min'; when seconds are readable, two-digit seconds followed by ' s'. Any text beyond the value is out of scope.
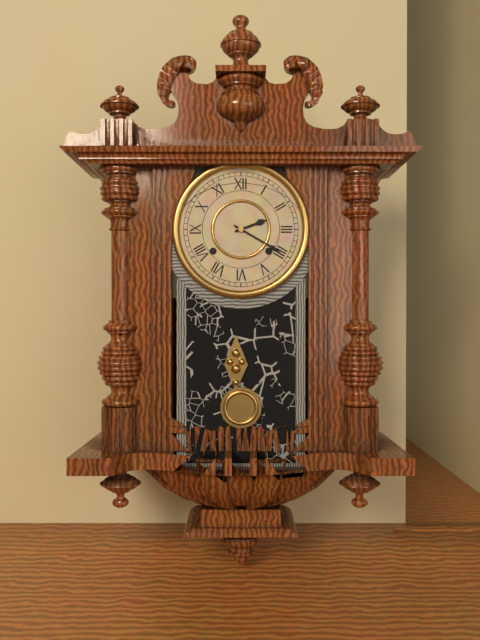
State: 2 h 20 min
